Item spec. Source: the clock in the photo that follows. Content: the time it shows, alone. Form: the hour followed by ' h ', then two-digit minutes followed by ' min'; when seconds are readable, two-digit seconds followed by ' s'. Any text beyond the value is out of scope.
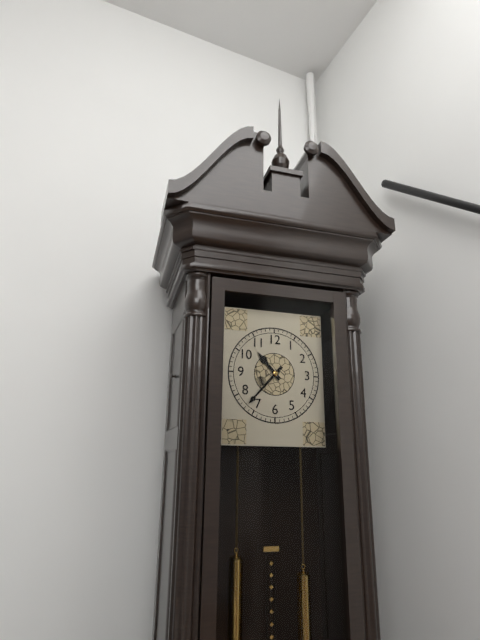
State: 10 h 37 min
